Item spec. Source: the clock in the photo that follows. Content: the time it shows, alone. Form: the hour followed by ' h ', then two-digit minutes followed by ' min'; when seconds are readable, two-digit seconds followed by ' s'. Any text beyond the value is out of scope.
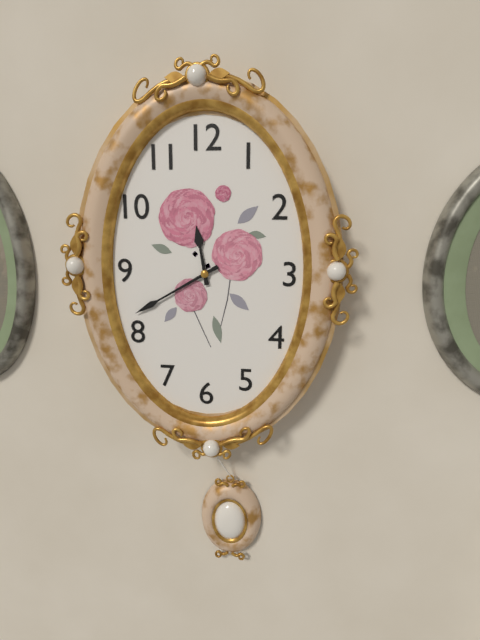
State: 11 h 40 min
